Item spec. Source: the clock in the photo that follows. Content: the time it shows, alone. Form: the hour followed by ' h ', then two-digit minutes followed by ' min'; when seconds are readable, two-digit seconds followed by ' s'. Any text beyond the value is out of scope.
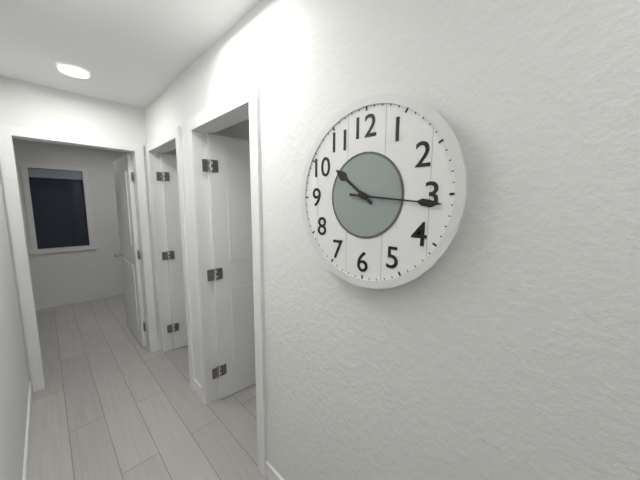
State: 10 h 16 min
